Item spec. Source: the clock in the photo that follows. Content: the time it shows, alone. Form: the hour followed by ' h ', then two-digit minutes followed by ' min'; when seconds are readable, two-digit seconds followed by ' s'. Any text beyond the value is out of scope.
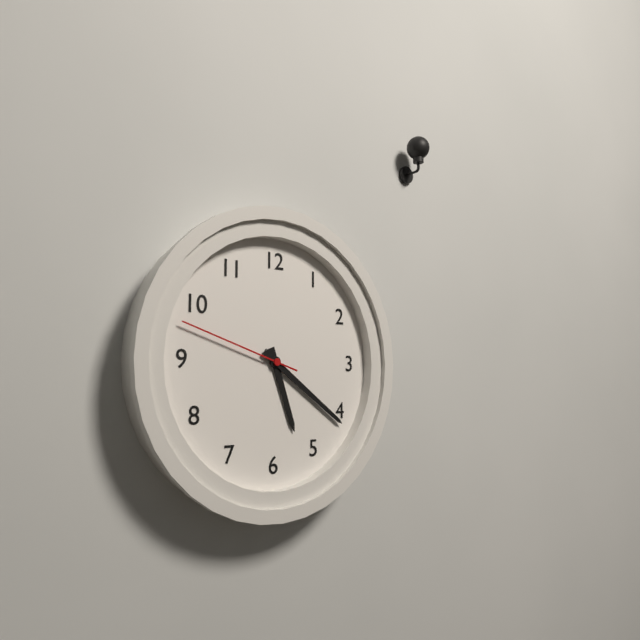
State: 5 h 21 min 48 s
